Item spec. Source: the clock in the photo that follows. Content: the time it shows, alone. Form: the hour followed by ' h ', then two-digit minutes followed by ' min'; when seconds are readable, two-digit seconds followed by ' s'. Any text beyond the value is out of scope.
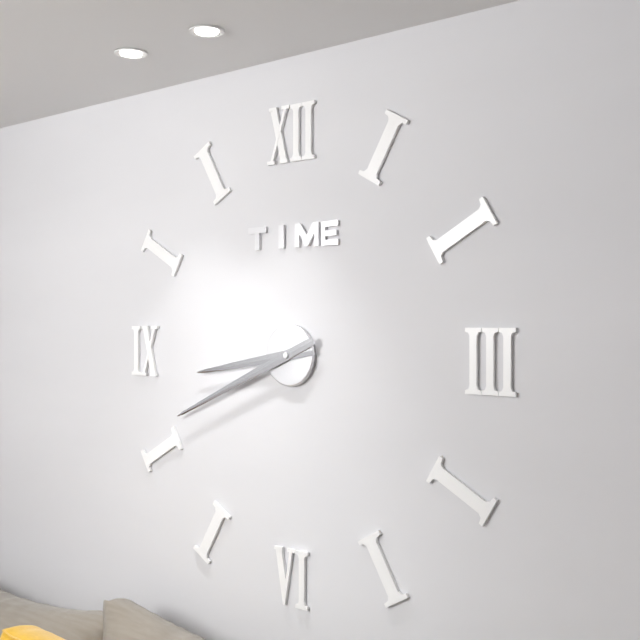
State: 8 h 41 min
